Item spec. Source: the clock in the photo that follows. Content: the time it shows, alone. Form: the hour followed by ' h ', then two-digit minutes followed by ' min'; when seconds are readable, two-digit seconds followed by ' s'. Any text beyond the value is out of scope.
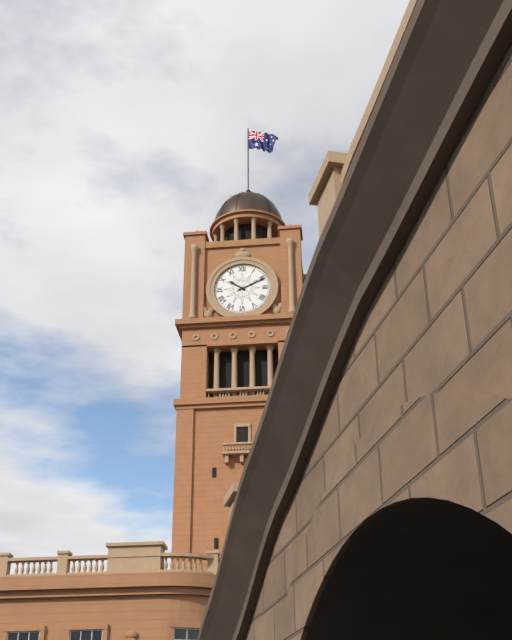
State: 10 h 11 min
